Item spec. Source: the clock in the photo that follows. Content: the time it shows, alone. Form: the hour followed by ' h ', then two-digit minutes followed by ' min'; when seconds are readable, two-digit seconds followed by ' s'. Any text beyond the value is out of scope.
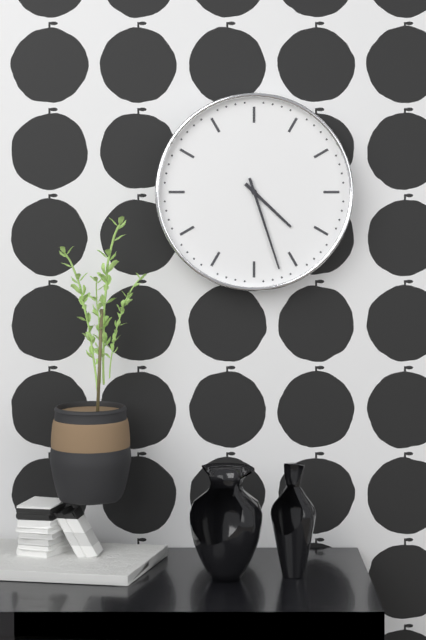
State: 4 h 27 min
